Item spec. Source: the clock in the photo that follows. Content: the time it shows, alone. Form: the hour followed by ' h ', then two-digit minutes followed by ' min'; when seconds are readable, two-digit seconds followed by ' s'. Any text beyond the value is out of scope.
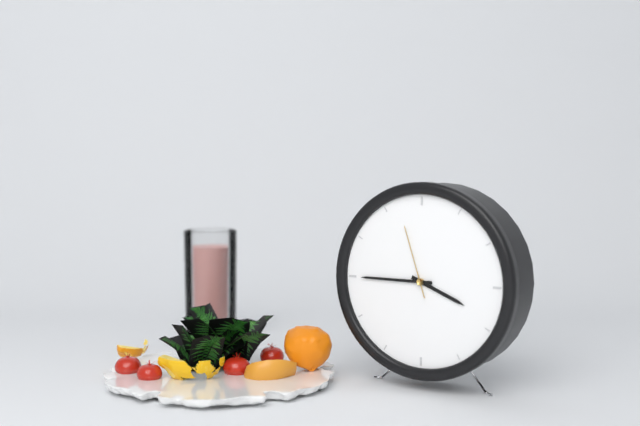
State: 3 h 45 min 57 s
